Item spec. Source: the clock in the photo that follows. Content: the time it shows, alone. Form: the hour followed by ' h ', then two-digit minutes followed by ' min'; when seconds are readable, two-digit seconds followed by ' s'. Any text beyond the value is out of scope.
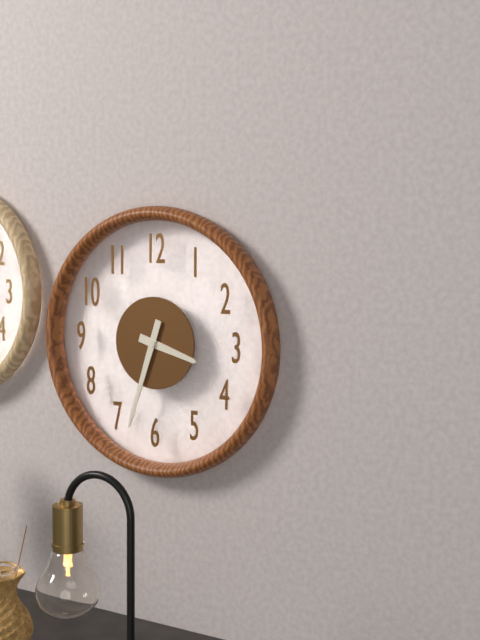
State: 3 h 33 min
